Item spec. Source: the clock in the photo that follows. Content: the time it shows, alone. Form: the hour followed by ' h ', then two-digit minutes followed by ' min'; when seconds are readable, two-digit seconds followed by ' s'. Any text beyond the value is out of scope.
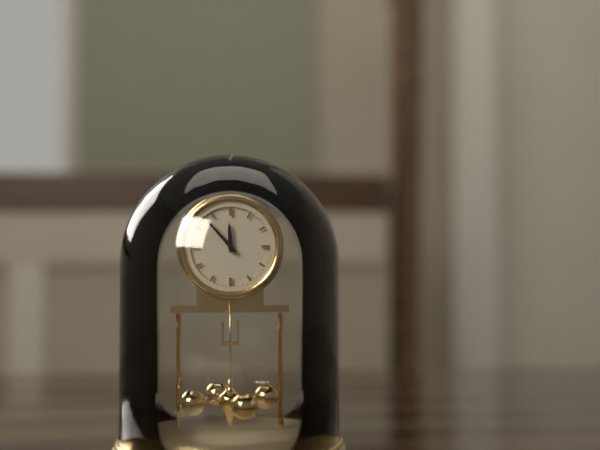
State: 11 h 53 min
